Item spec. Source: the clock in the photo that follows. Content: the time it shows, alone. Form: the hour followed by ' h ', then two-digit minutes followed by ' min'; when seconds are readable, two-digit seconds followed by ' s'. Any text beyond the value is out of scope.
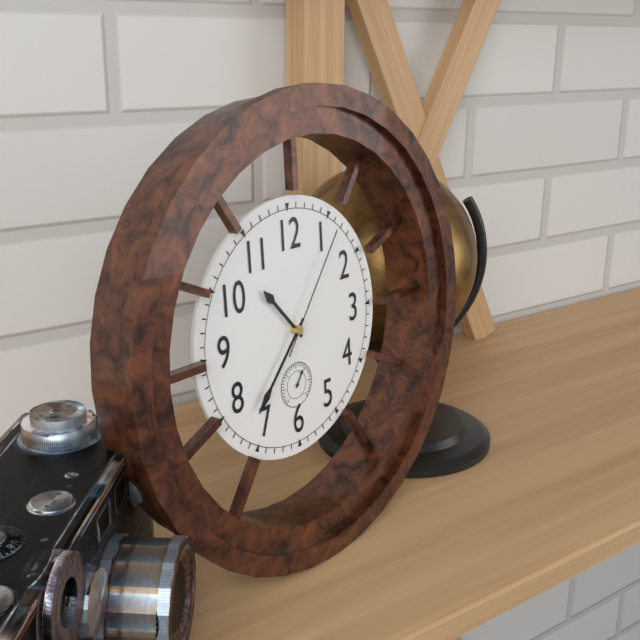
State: 10 h 37 min 06 s
